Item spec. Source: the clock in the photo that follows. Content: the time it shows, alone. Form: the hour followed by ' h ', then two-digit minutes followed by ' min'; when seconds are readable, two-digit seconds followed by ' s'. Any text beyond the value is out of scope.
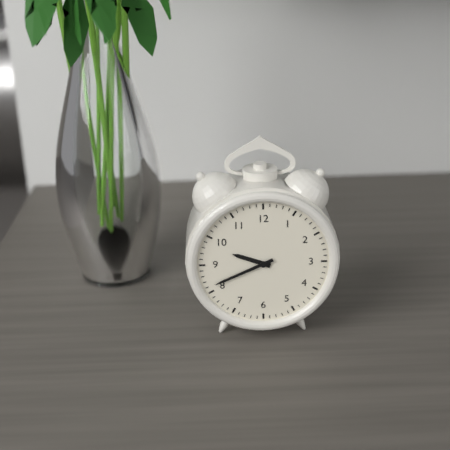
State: 9 h 41 min
